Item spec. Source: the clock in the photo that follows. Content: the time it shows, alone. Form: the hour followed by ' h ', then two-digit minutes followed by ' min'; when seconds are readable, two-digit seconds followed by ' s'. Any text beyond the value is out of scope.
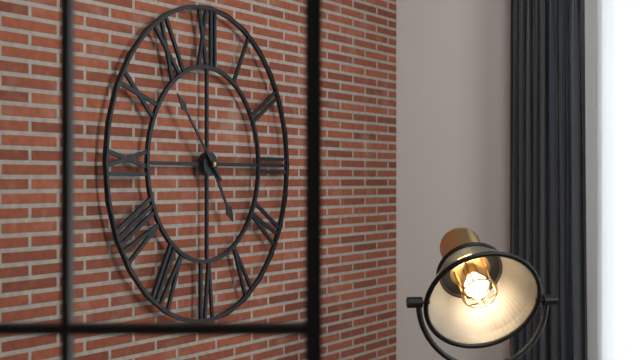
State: 4 h 53 min
